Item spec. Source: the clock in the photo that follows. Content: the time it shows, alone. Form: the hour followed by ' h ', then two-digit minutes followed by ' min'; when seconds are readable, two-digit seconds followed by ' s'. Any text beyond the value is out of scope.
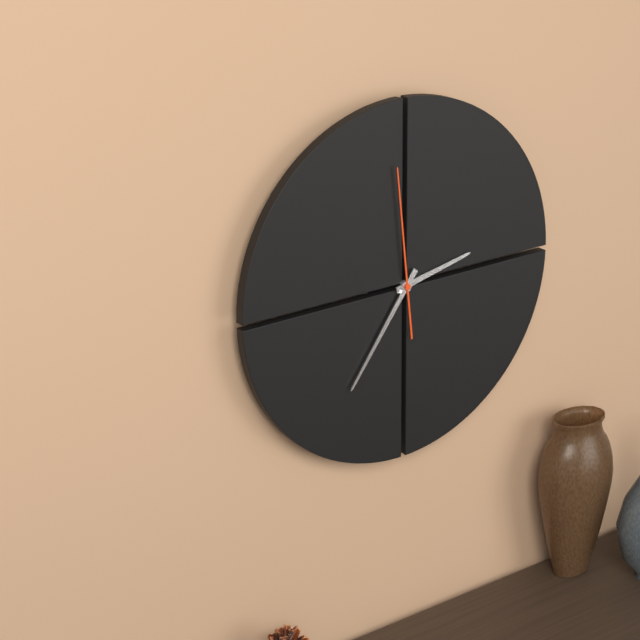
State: 2 h 36 min 59 s
